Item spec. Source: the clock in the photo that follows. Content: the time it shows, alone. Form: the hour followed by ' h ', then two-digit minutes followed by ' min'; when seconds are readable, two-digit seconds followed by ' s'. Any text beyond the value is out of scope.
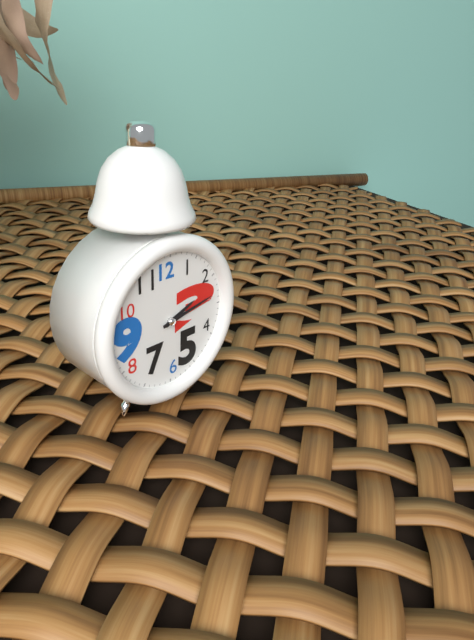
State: 2 h 13 min
